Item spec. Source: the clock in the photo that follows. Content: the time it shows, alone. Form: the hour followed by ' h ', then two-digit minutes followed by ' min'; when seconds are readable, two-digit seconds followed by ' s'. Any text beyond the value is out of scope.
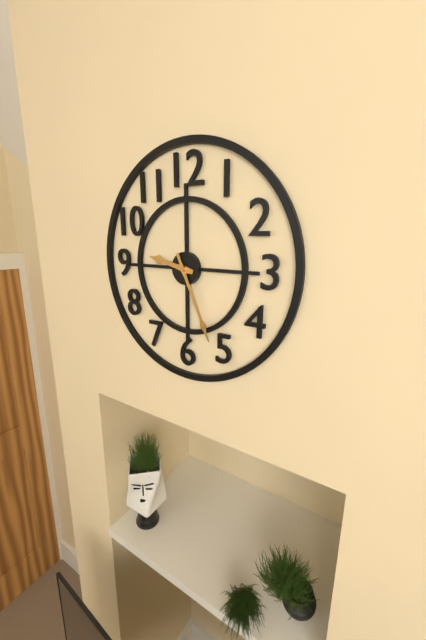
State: 9 h 26 min
